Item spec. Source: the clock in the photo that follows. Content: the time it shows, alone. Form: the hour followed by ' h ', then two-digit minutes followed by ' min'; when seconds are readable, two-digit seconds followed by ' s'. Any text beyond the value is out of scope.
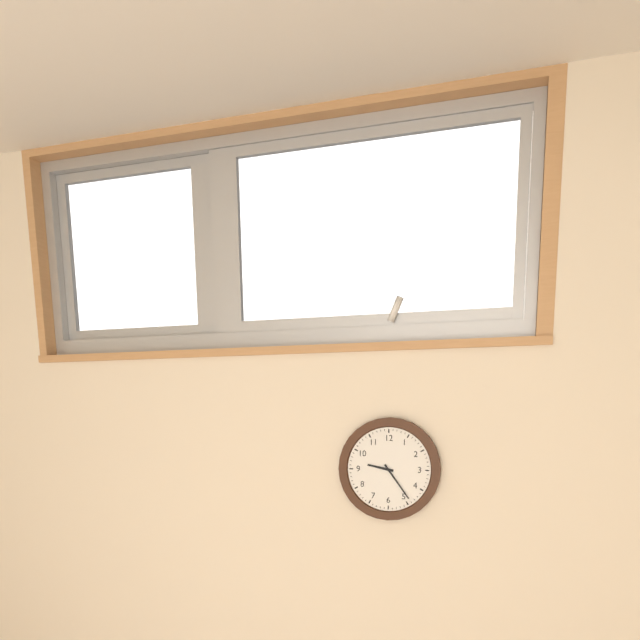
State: 9 h 24 min
